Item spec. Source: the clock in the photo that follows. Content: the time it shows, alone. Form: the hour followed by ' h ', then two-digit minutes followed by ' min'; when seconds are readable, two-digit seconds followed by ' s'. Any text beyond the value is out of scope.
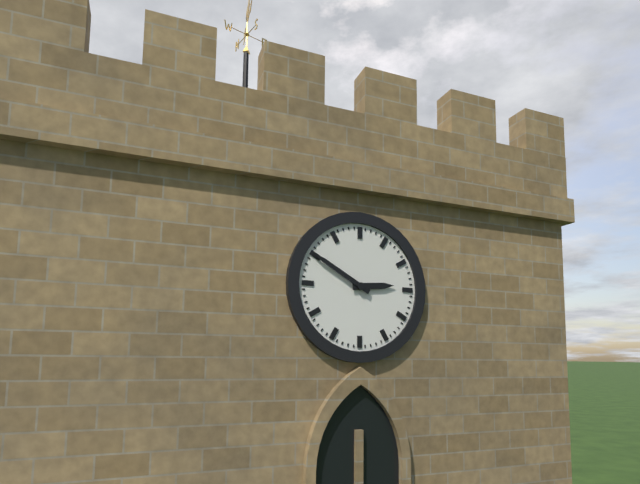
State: 2 h 50 min
